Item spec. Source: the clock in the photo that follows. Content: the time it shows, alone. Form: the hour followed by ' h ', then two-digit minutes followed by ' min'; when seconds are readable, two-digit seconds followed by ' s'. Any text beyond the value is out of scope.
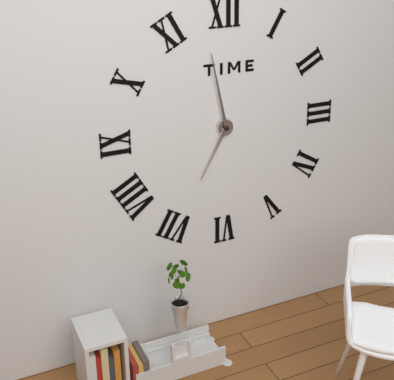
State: 6 h 58 min
